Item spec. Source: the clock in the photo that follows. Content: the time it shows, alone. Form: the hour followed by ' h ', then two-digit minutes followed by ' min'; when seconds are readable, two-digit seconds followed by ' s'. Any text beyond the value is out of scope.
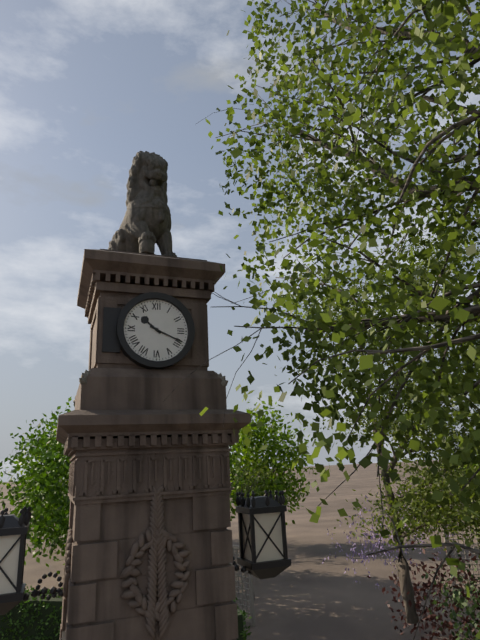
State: 10 h 19 min
